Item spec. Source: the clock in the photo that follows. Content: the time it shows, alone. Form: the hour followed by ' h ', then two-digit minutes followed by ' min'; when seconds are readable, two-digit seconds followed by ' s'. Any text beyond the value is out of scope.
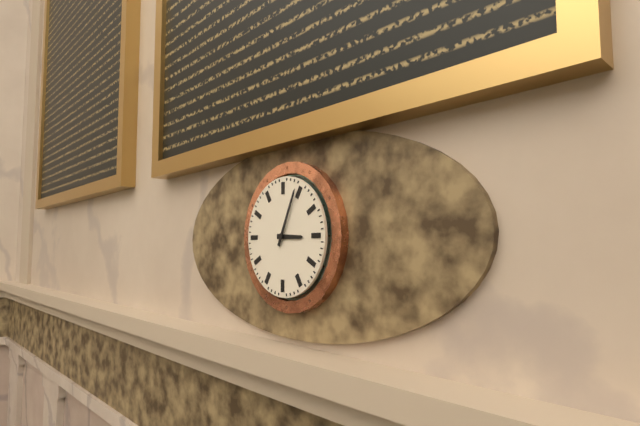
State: 3 h 04 min
